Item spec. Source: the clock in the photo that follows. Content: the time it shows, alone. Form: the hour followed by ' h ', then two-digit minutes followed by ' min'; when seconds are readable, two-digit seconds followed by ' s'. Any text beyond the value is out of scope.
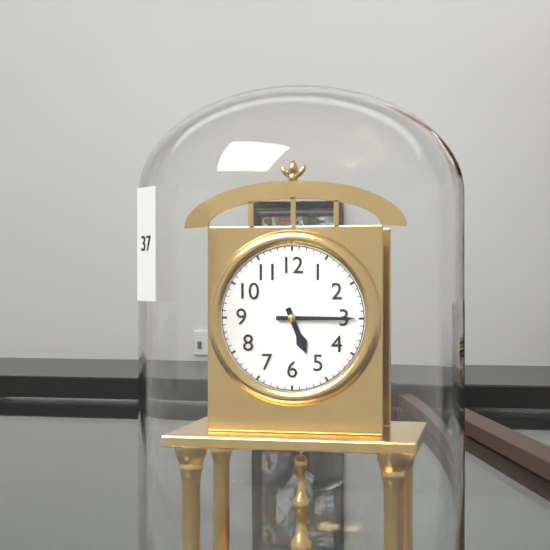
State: 5 h 15 min
